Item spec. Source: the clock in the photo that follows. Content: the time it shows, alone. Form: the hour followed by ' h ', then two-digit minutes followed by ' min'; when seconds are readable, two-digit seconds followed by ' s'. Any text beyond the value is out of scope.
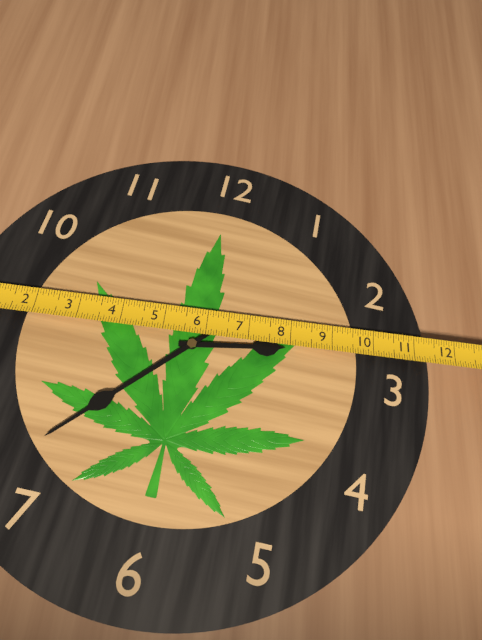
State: 2 h 37 min
